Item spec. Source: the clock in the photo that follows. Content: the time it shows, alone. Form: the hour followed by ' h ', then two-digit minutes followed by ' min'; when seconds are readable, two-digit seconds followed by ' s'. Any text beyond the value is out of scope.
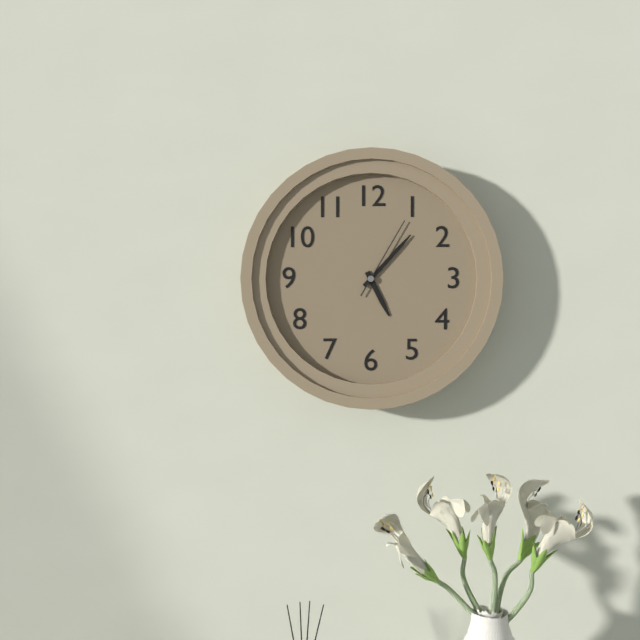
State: 5 h 07 min 05 s
